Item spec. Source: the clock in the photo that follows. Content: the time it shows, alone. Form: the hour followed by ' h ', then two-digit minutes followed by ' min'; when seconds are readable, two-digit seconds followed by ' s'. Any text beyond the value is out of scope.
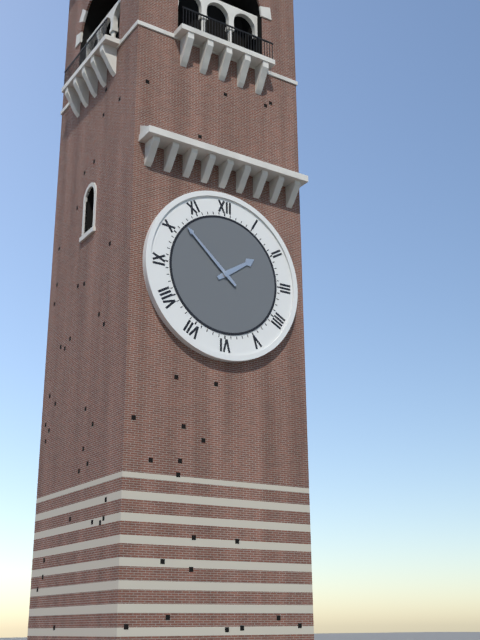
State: 1 h 52 min
